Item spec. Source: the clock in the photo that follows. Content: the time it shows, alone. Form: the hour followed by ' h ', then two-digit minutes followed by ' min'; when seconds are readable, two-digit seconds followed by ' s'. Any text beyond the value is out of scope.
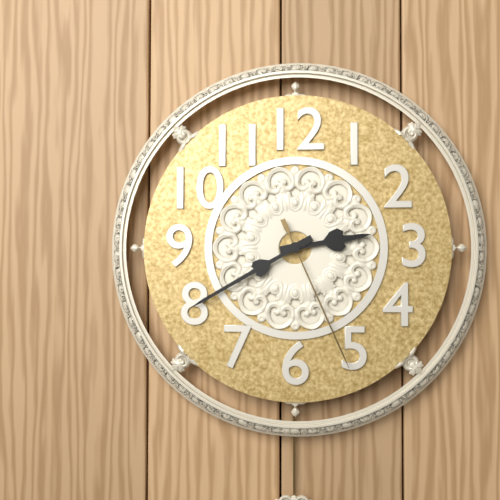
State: 2 h 40 min 26 s
